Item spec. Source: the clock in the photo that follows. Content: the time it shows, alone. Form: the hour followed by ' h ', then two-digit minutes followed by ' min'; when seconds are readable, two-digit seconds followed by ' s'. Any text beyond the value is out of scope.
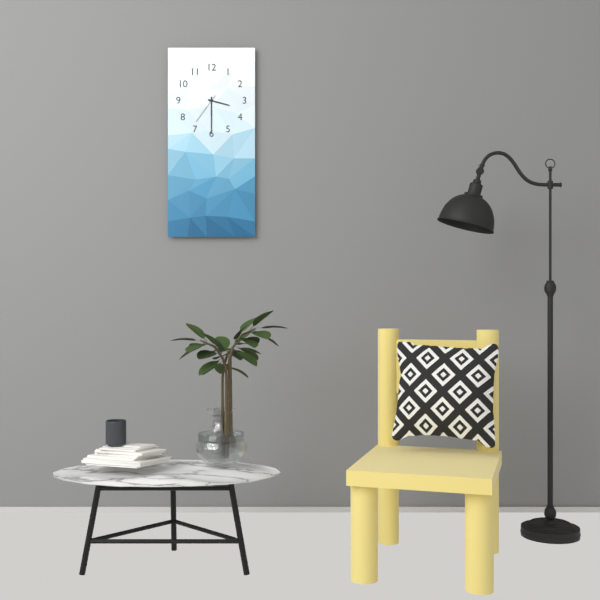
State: 3 h 30 min
